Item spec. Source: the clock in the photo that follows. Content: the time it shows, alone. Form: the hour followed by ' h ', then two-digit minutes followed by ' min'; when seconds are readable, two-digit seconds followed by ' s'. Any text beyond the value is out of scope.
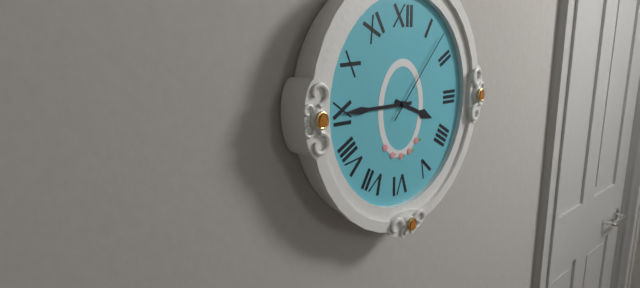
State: 3 h 45 min 07 s
